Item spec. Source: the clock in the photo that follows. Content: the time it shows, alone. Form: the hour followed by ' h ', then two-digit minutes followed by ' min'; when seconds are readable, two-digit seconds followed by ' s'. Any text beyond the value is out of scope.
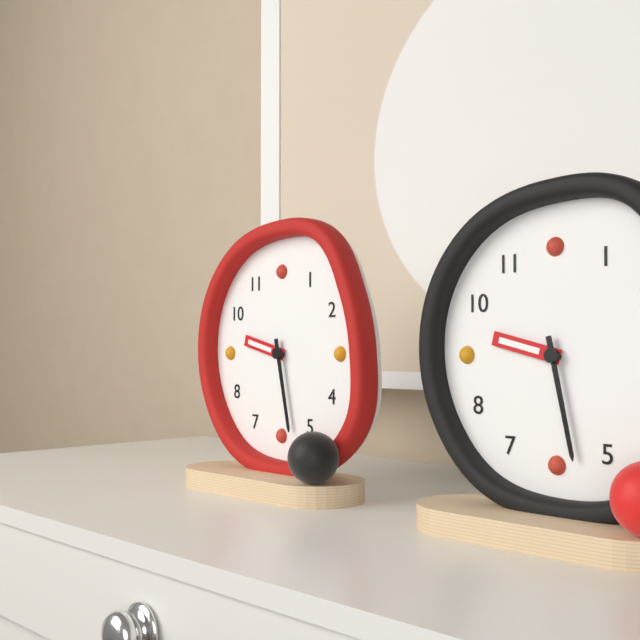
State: 9 h 28 min
